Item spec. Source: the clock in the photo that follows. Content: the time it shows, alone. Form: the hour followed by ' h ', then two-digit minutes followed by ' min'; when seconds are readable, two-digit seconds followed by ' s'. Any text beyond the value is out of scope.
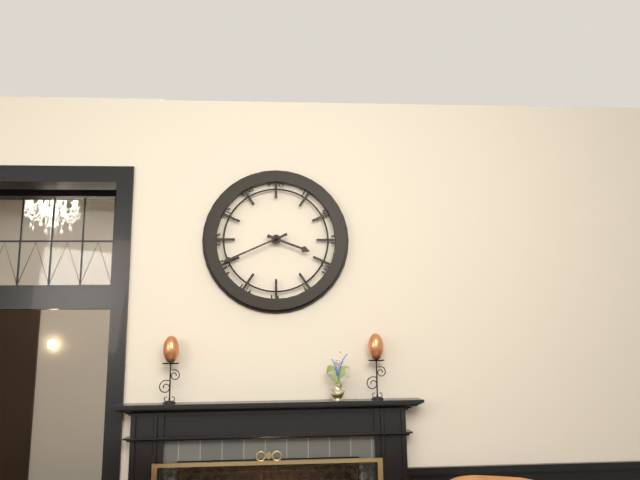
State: 3 h 41 min
